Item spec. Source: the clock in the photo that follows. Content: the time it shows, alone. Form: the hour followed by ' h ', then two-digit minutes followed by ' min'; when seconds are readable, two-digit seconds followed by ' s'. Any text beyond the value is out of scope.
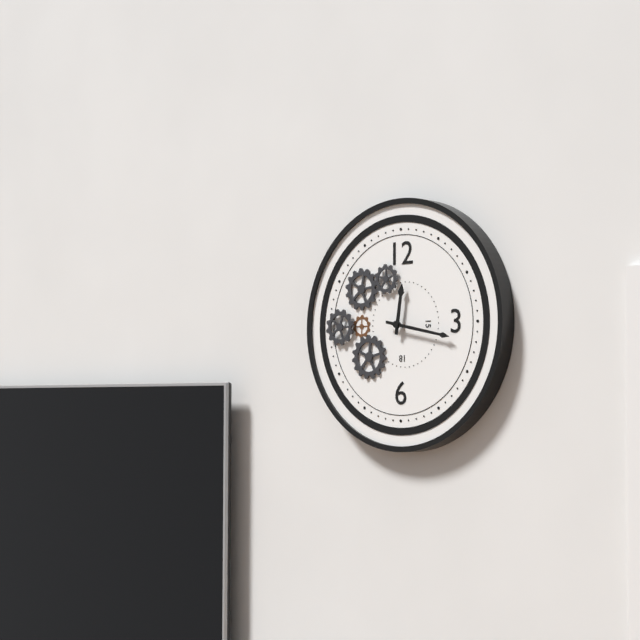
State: 12 h 17 min
